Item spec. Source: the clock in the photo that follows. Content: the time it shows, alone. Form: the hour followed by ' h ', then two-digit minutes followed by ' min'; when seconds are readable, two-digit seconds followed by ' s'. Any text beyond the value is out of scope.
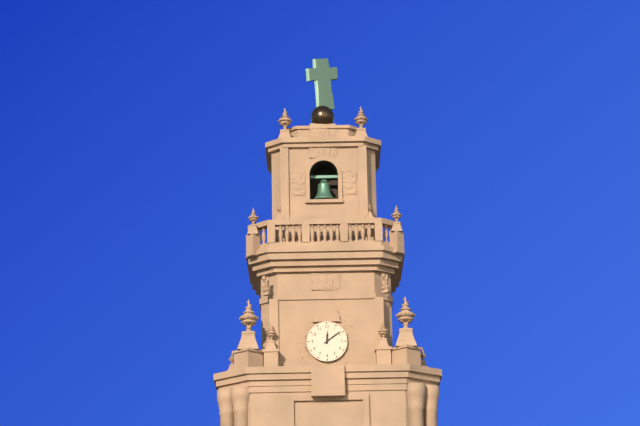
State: 12 h 09 min
